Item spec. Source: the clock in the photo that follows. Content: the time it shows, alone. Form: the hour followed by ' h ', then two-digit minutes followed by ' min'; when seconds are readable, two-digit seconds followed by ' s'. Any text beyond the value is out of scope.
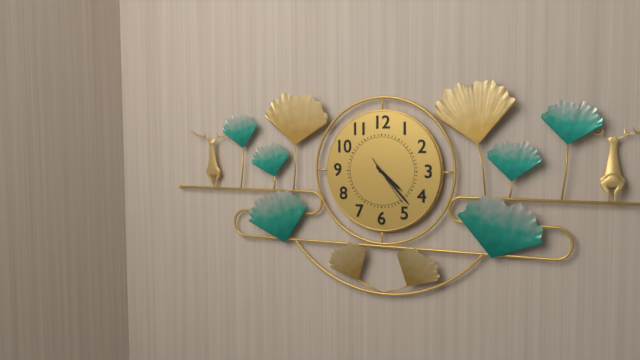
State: 4 h 23 min
